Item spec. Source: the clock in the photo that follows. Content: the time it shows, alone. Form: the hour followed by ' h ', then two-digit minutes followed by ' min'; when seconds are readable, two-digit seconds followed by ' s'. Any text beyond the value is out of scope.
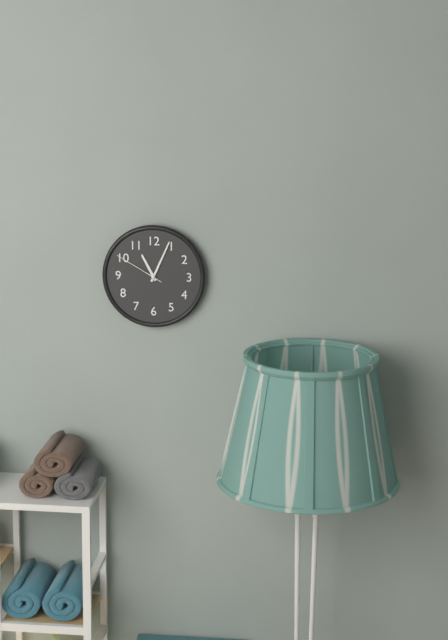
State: 11 h 04 min 50 s
